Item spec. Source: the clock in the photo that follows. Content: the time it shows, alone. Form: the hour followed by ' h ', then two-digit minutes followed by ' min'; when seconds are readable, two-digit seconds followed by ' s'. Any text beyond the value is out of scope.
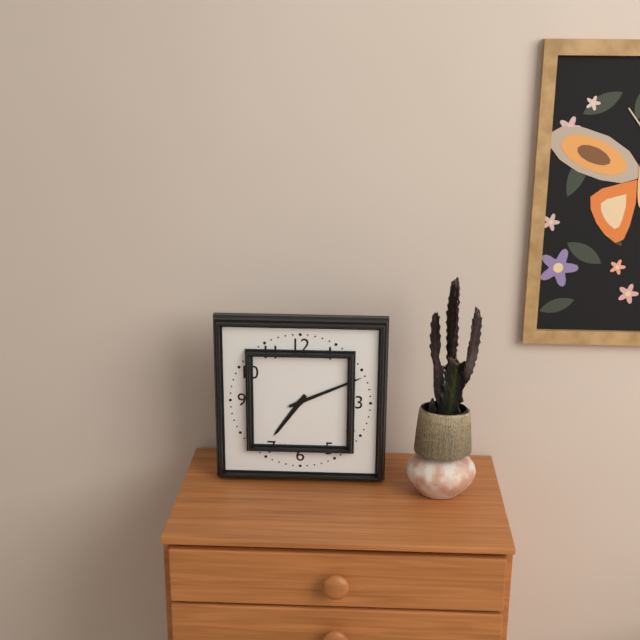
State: 7 h 11 min
